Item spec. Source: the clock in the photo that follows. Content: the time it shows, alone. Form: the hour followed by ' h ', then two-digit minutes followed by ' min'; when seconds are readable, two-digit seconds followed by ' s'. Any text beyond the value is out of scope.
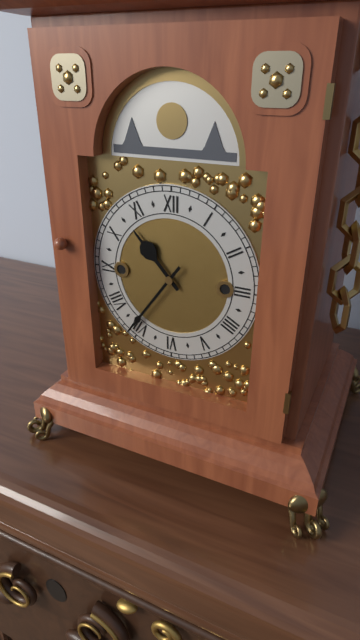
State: 10 h 36 min
